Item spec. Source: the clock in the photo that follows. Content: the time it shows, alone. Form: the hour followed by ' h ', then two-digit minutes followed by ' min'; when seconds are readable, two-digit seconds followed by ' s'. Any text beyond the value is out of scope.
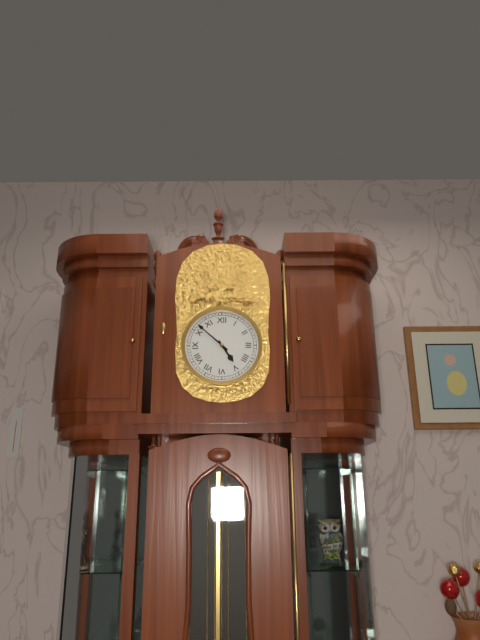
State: 4 h 52 min
